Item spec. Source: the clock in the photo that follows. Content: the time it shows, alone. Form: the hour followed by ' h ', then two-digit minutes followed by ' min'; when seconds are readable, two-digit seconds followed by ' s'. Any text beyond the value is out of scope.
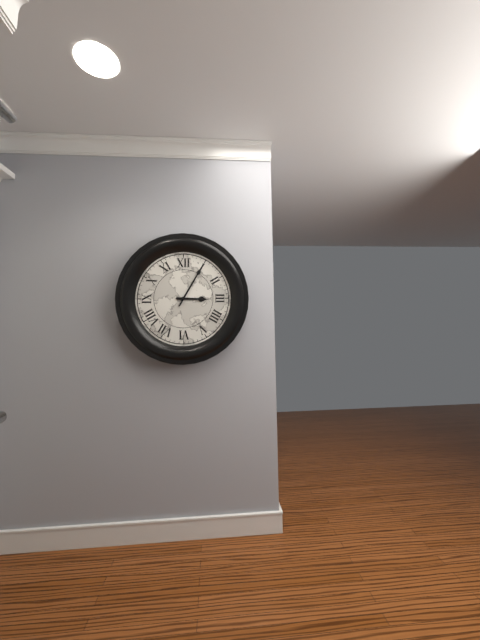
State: 3 h 05 min
